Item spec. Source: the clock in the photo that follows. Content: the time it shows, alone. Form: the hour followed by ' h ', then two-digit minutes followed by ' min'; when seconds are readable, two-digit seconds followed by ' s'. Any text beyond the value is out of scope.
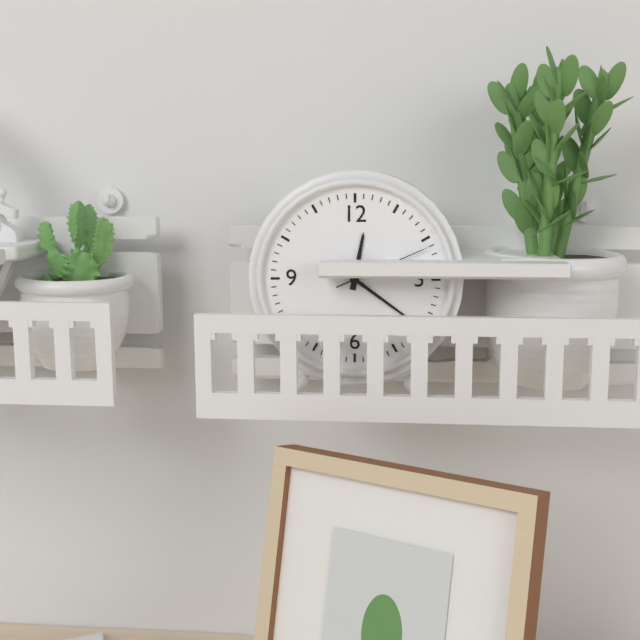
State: 12 h 21 min 11 s
